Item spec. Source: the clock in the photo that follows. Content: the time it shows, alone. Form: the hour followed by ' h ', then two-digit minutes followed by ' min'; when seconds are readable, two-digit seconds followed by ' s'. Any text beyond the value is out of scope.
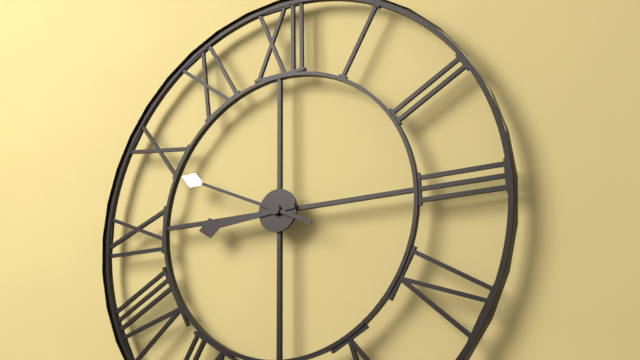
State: 8 h 49 min
